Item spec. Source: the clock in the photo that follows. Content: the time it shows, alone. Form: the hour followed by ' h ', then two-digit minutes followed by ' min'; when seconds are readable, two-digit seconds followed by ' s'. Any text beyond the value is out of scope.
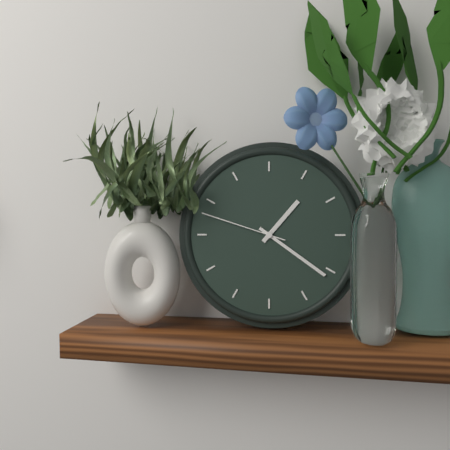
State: 1 h 21 min 48 s
